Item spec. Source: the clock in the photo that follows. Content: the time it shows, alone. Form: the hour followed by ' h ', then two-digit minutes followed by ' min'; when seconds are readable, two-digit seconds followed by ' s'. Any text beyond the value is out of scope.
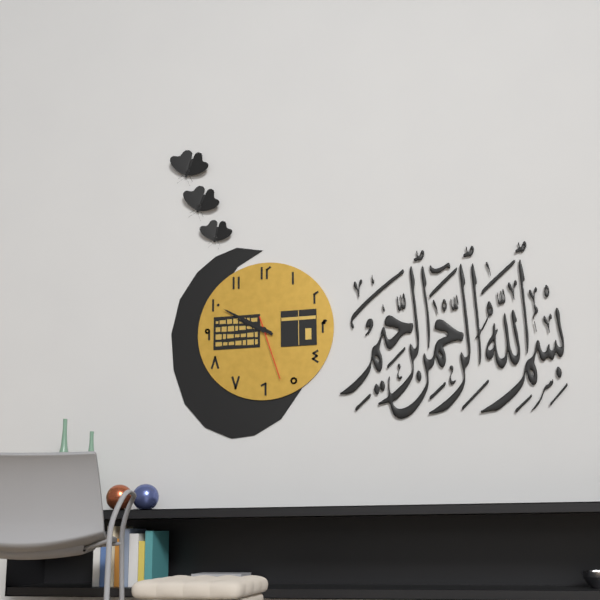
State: 9 h 50 min 27 s
